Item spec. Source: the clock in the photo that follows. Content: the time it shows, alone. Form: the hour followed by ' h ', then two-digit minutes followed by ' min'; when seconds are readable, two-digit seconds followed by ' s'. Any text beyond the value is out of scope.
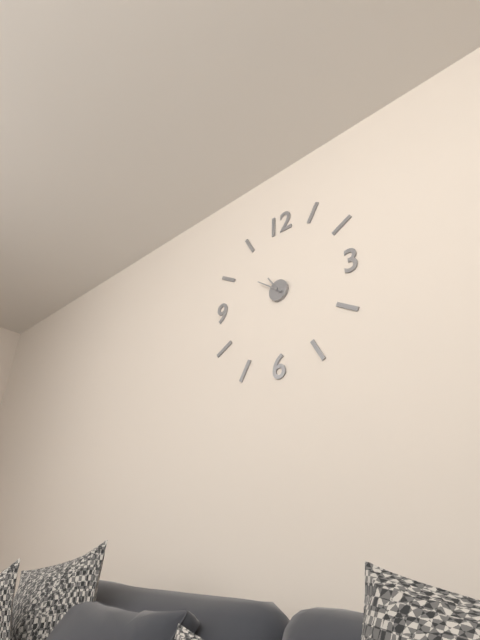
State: 10 h 51 min
